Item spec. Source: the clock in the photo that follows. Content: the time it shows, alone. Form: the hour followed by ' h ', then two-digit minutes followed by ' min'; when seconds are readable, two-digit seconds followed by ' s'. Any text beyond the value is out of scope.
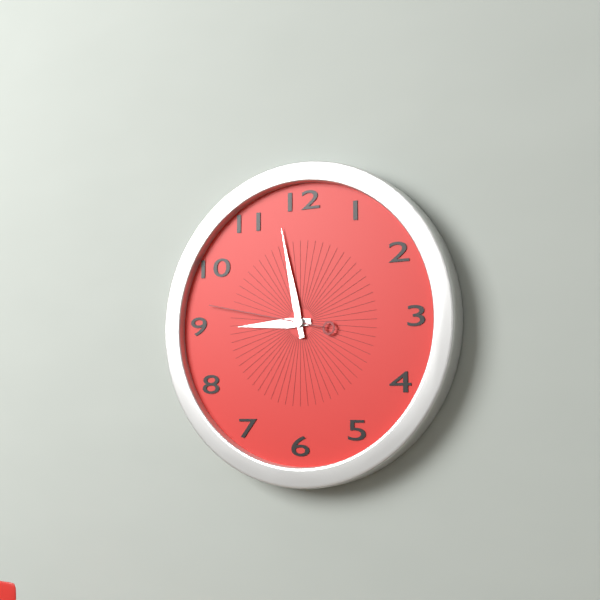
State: 8 h 58 min 47 s
